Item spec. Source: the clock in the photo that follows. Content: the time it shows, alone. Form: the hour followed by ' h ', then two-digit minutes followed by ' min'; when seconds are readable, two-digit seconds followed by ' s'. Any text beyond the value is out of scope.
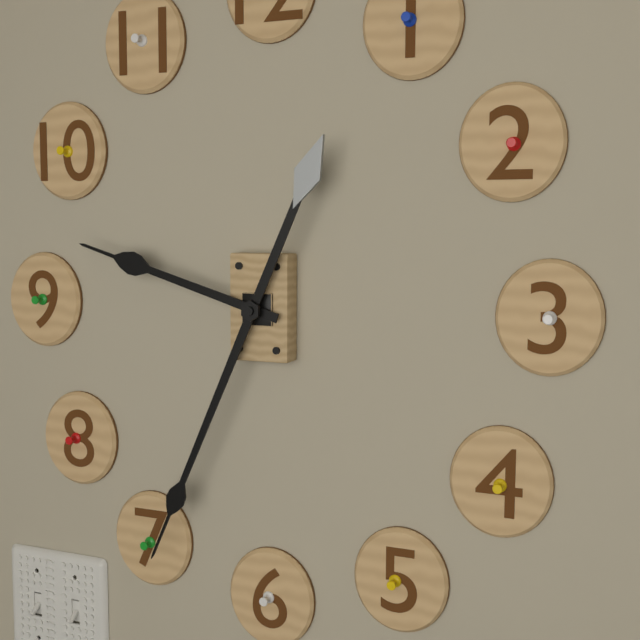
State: 9 h 34 min
